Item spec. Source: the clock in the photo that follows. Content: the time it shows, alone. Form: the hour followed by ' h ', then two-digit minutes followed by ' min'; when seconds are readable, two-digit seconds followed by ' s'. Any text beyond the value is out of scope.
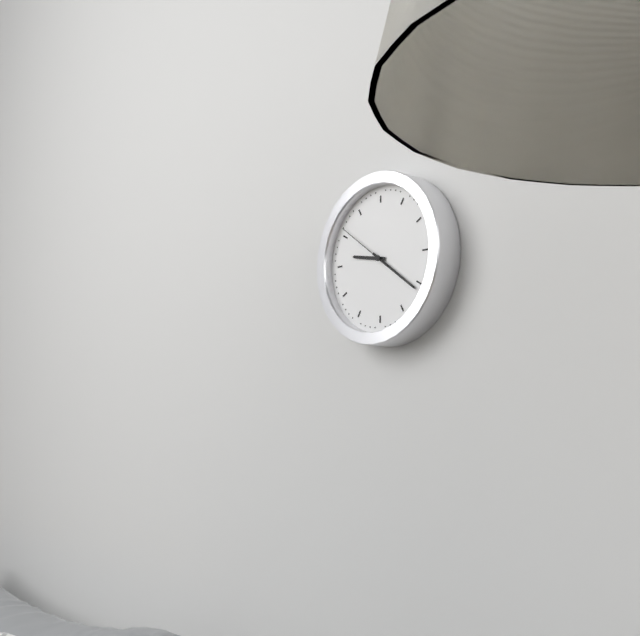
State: 9 h 21 min 51 s
